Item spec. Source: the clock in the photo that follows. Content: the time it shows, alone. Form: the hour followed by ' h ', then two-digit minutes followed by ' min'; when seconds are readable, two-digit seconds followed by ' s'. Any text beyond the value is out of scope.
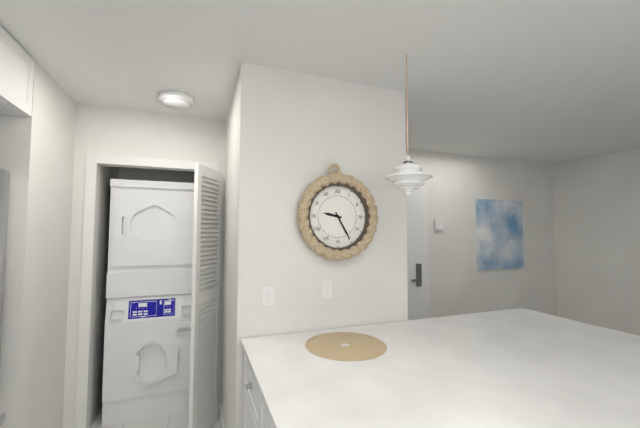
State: 9 h 25 min
